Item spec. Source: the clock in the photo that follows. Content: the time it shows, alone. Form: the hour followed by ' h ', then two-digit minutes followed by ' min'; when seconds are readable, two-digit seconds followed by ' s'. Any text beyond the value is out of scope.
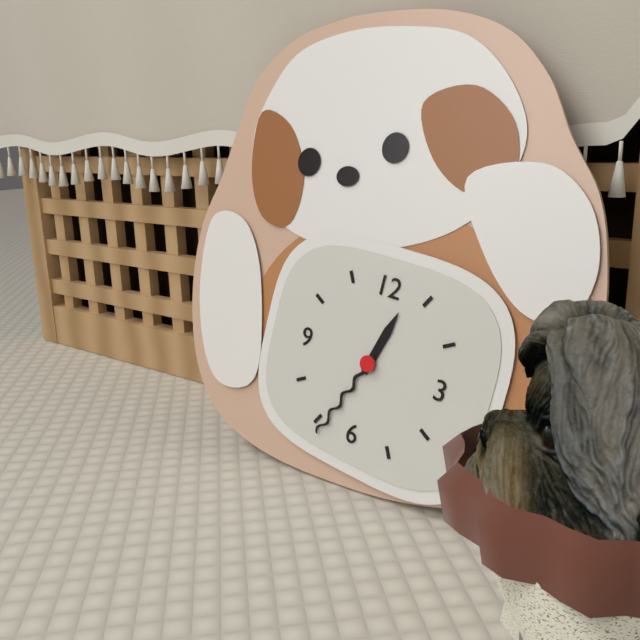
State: 12 h 34 min
